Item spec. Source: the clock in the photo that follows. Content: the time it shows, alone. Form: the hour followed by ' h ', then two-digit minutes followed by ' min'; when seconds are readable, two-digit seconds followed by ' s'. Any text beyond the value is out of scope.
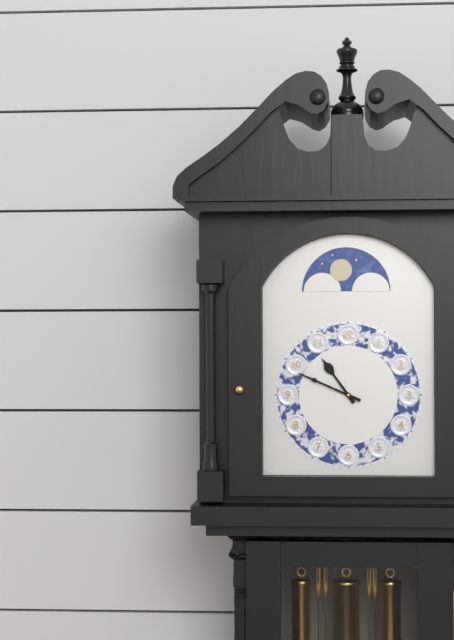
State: 10 h 49 min
